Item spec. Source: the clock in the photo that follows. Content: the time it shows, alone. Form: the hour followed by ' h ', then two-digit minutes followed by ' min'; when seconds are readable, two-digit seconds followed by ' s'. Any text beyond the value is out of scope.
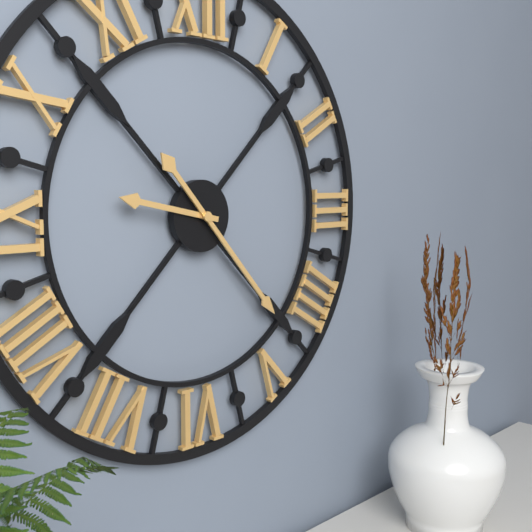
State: 9 h 23 min
